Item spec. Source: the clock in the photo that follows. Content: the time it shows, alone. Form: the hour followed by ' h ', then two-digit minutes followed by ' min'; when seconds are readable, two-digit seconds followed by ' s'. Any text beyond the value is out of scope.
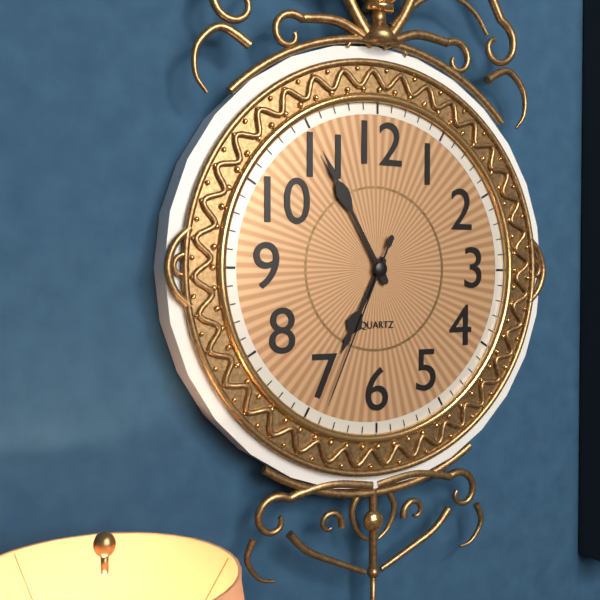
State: 6 h 55 min 34 s
